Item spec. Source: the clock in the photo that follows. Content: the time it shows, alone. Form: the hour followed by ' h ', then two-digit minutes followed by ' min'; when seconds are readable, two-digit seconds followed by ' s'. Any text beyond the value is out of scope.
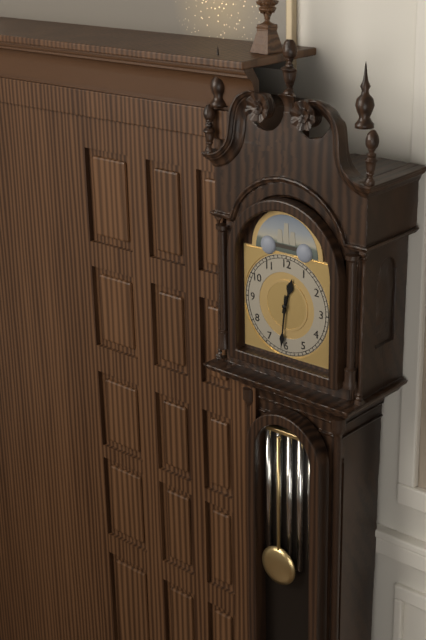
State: 12 h 31 min
